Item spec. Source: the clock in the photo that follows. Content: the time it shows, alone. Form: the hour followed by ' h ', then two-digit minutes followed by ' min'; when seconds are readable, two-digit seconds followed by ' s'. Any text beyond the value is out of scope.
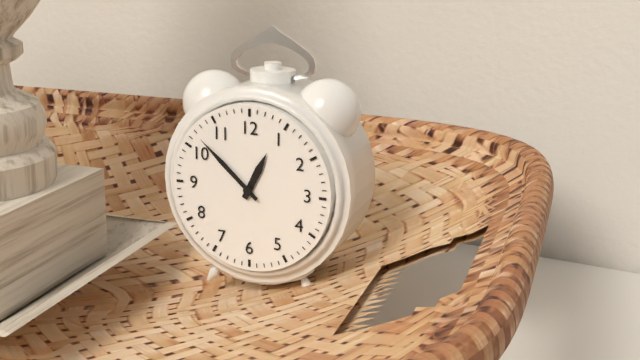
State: 12 h 52 min
